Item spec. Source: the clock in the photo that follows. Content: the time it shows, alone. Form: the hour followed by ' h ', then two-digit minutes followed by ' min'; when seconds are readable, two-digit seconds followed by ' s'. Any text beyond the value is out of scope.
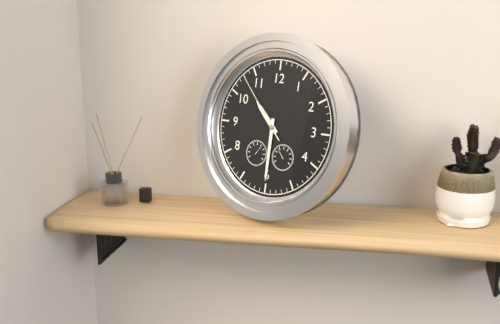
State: 10 h 30 min 53 s
